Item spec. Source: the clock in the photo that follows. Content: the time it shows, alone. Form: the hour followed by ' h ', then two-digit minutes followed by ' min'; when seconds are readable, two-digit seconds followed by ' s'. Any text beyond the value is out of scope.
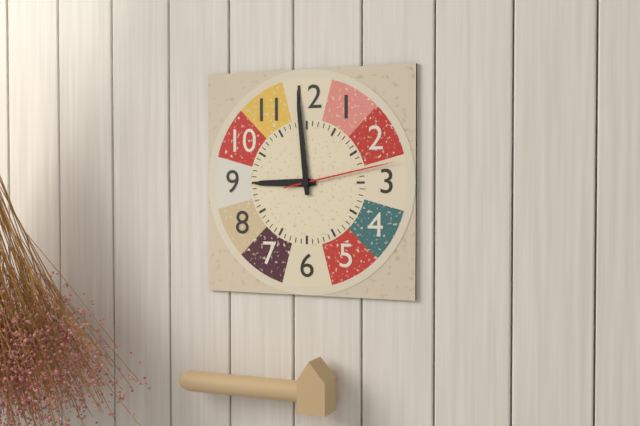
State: 8 h 59 min 13 s
